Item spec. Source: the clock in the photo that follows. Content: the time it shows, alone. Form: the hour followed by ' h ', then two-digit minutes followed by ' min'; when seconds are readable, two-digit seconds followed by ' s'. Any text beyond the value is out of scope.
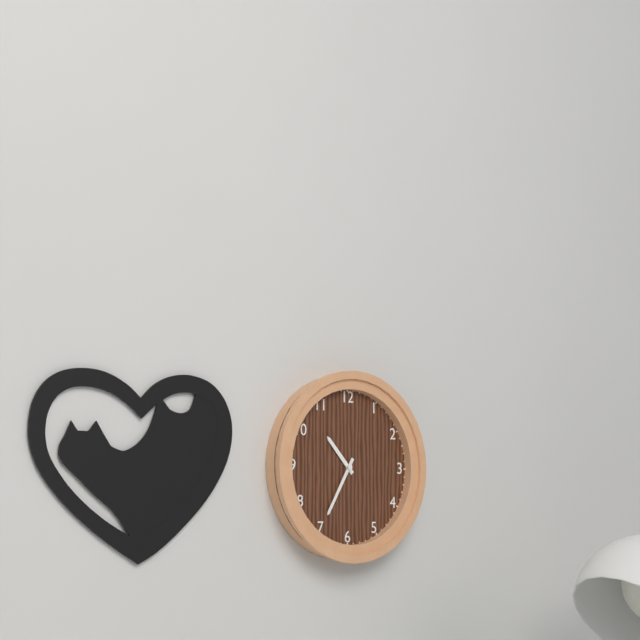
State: 10 h 35 min
